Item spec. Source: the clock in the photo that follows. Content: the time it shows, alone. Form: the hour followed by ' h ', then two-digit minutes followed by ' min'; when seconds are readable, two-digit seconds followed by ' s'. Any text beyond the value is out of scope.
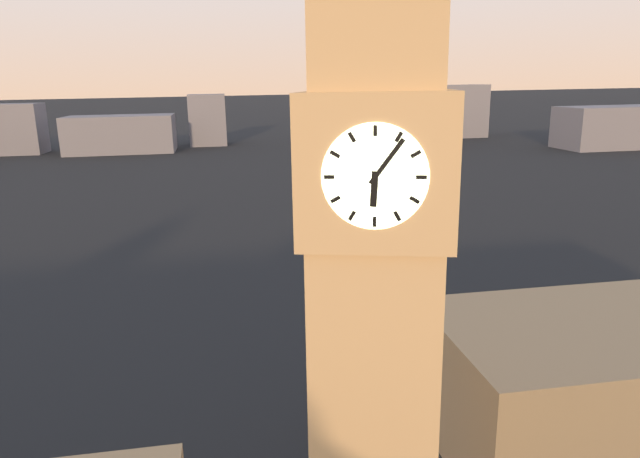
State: 6 h 06 min
